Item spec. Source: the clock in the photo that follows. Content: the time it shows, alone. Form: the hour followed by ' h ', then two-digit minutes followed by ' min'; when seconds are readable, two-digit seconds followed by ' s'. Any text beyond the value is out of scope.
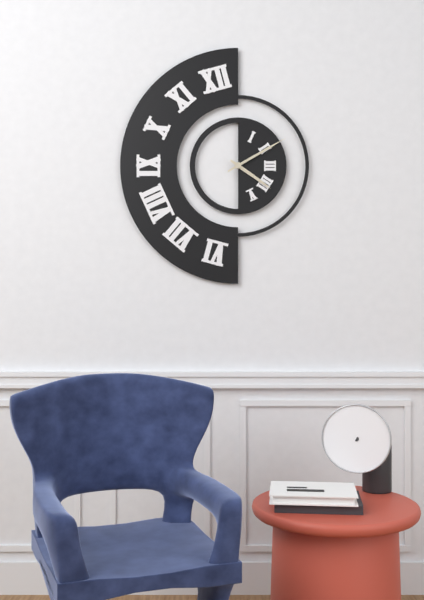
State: 4 h 10 min
